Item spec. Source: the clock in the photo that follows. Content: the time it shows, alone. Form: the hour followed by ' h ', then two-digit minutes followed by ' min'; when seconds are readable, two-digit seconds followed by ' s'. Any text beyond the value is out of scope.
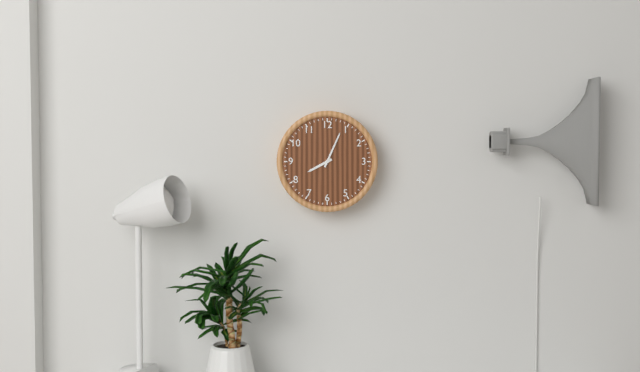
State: 8 h 04 min
